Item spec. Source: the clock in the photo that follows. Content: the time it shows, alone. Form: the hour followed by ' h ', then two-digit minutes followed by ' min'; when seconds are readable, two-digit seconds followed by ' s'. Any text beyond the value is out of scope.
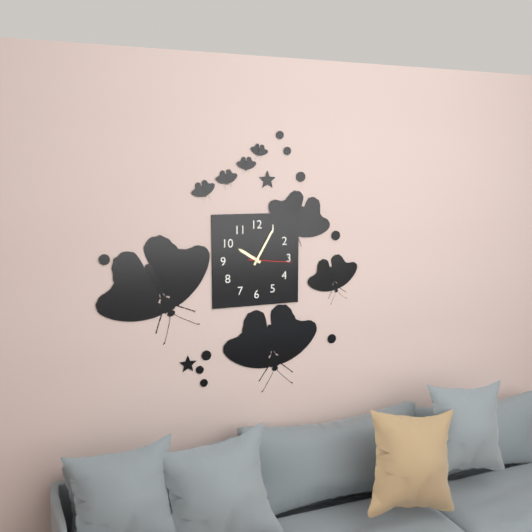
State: 10 h 05 min
